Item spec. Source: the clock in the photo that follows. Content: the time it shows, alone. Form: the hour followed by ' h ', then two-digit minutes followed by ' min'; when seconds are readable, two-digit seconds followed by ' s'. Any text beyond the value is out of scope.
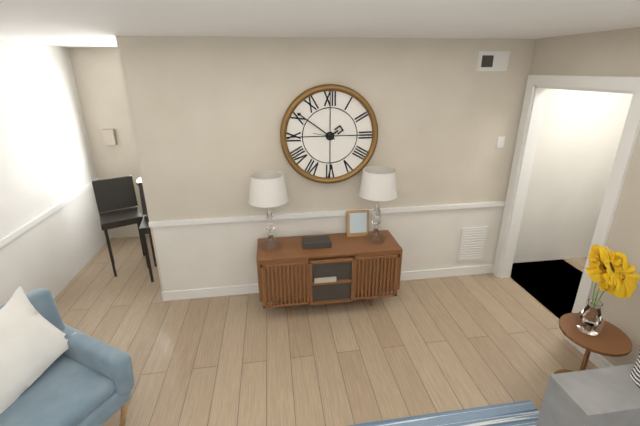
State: 1 h 51 min
